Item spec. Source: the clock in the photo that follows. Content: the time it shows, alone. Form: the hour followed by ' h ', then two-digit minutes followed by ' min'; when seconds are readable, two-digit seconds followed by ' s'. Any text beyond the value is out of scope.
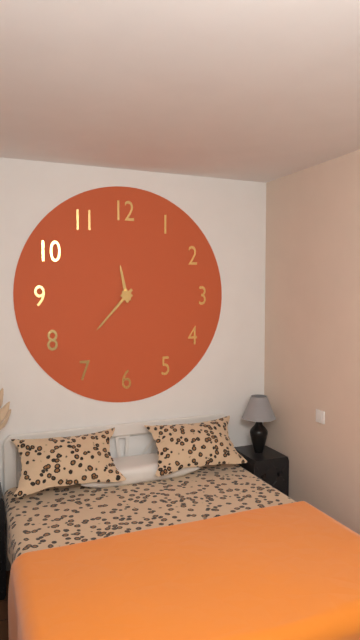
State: 11 h 37 min
